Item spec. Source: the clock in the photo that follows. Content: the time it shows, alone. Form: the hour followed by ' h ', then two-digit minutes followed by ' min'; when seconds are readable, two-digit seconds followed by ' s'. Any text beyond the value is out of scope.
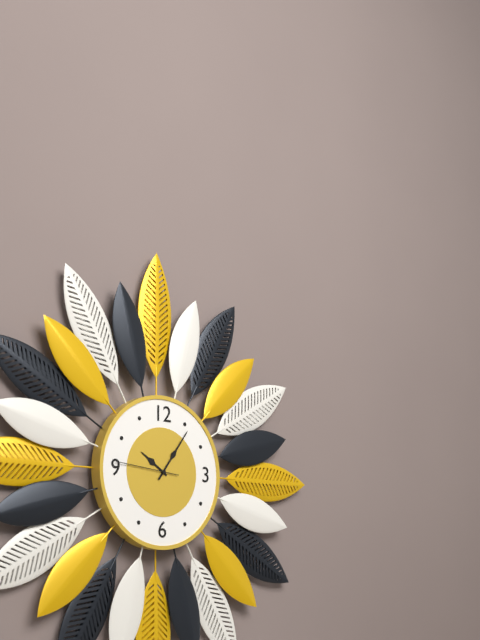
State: 10 h 06 min 46 s
